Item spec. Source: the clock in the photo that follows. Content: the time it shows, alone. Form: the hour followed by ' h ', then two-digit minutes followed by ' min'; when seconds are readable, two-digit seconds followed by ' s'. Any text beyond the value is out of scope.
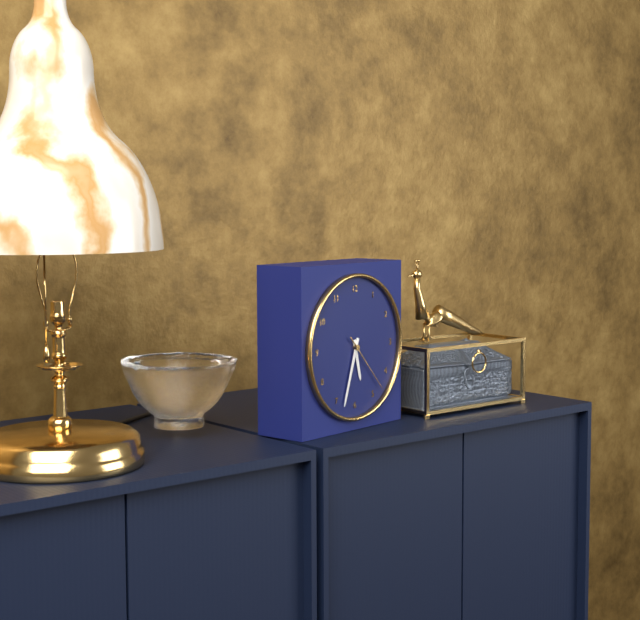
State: 5 h 33 min 23 s
